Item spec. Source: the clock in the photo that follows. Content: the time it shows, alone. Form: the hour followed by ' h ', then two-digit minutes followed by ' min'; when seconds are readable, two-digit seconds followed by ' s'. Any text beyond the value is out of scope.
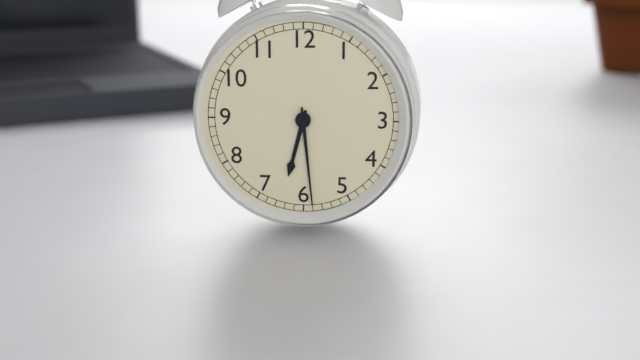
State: 6 h 29 min
